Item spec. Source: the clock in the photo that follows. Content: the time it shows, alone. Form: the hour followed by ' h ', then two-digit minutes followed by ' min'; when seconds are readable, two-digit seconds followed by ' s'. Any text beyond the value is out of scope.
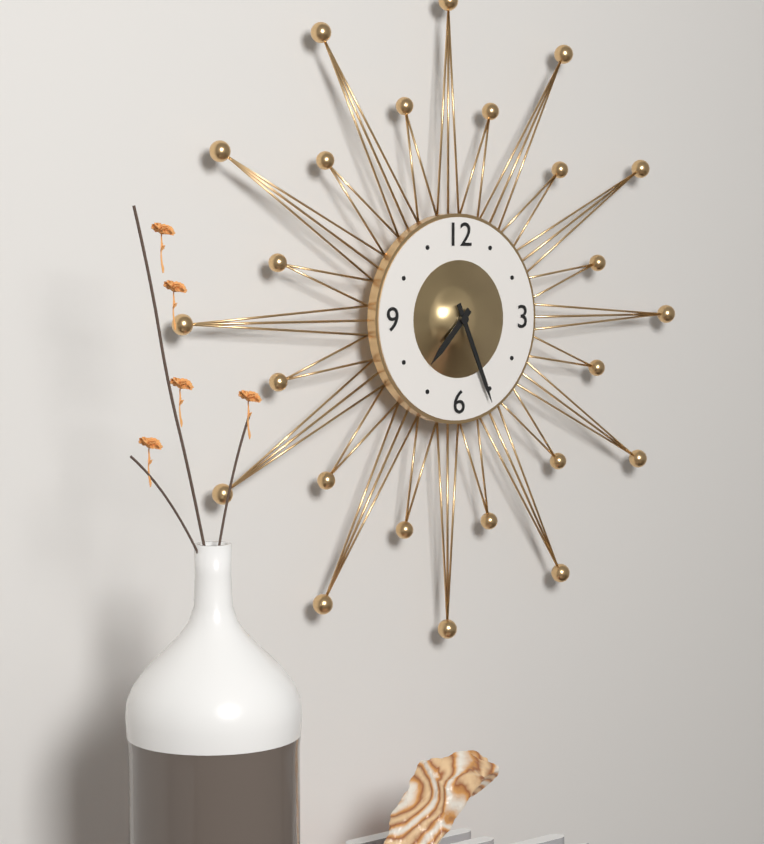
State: 7 h 26 min
